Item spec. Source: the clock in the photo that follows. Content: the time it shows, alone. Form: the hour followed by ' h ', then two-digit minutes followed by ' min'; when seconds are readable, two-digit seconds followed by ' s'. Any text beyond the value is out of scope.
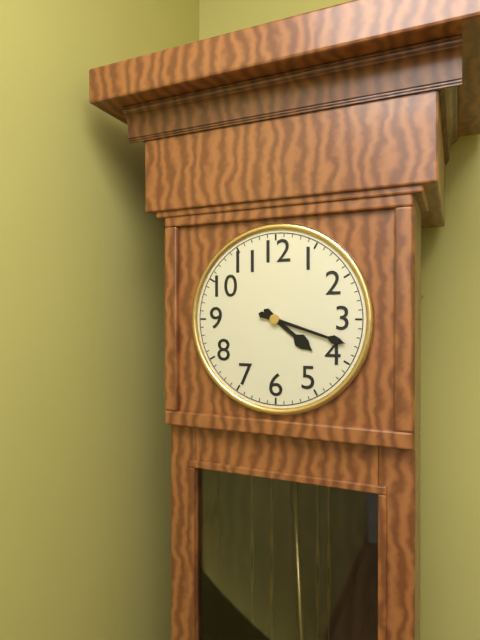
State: 4 h 18 min
